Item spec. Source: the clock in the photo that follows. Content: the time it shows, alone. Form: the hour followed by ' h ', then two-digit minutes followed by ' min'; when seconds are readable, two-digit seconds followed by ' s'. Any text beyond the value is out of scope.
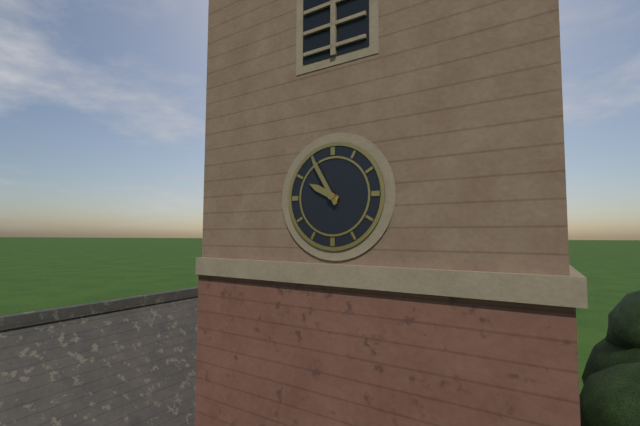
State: 9 h 55 min
